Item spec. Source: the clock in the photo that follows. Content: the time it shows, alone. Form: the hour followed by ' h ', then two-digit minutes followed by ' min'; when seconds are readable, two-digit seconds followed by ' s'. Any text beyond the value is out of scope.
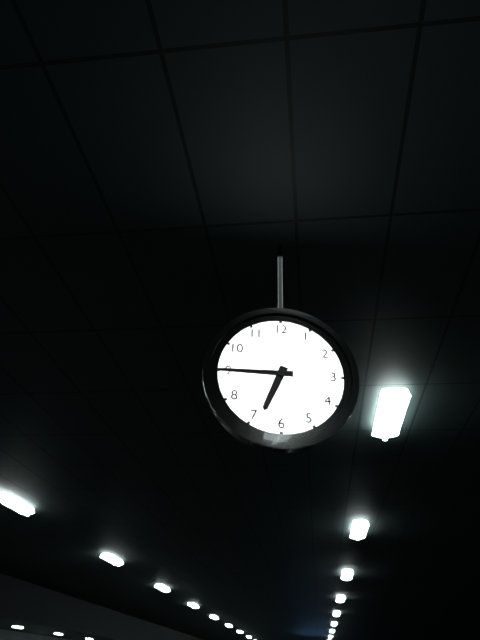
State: 6 h 45 min
